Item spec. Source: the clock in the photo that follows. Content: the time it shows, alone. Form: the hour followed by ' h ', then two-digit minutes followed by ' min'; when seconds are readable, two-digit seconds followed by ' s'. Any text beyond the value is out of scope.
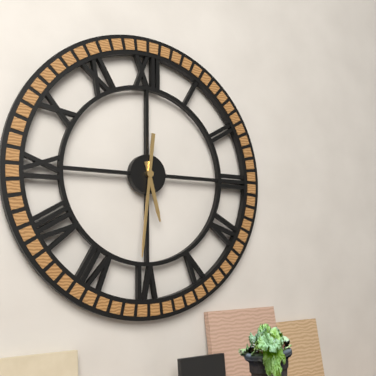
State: 5 h 31 min
